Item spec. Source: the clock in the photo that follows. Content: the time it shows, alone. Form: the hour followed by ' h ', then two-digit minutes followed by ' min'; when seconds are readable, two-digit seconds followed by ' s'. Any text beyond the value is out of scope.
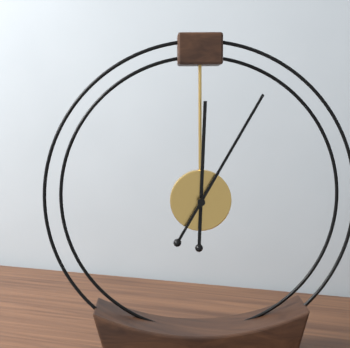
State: 12 h 05 min
